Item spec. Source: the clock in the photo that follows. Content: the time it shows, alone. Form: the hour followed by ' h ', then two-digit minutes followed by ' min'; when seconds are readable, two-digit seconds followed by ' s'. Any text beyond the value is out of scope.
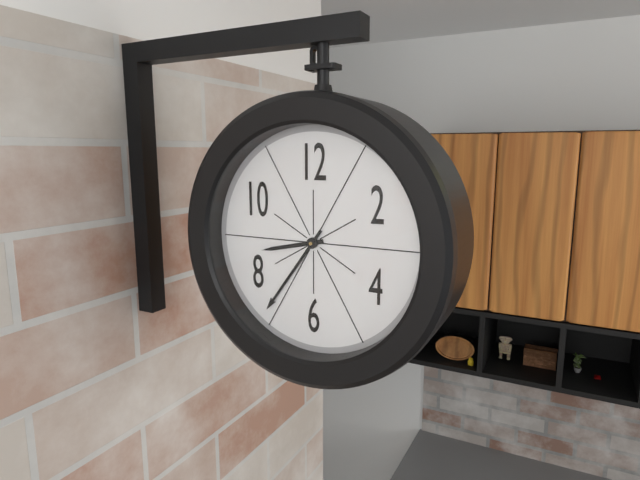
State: 8 h 36 min
